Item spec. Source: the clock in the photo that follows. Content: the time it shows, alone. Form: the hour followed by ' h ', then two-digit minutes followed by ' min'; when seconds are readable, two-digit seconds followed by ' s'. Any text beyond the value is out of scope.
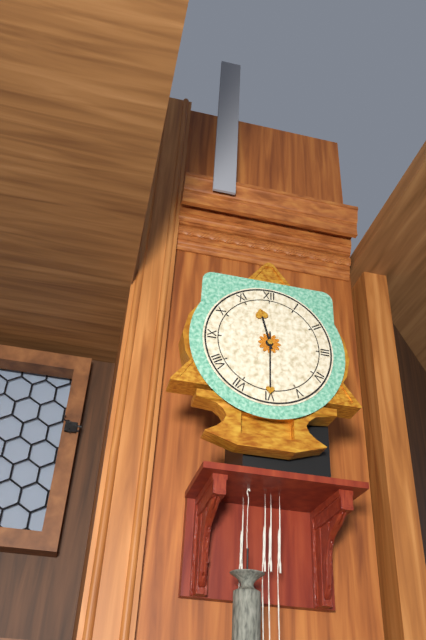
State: 11 h 30 min
